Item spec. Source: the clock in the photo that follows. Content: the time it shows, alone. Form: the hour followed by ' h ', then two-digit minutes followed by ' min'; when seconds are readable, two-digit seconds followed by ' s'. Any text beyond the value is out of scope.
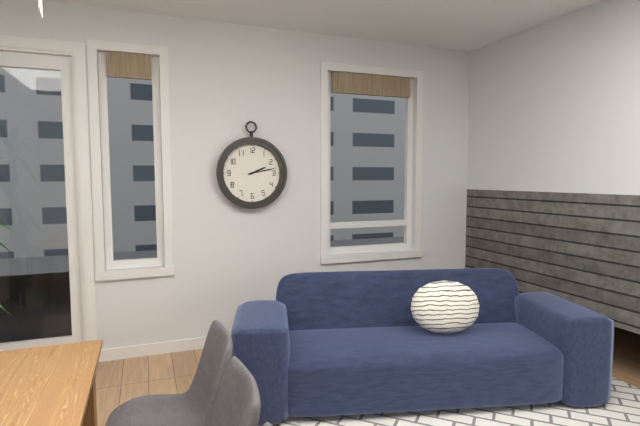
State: 2 h 13 min
